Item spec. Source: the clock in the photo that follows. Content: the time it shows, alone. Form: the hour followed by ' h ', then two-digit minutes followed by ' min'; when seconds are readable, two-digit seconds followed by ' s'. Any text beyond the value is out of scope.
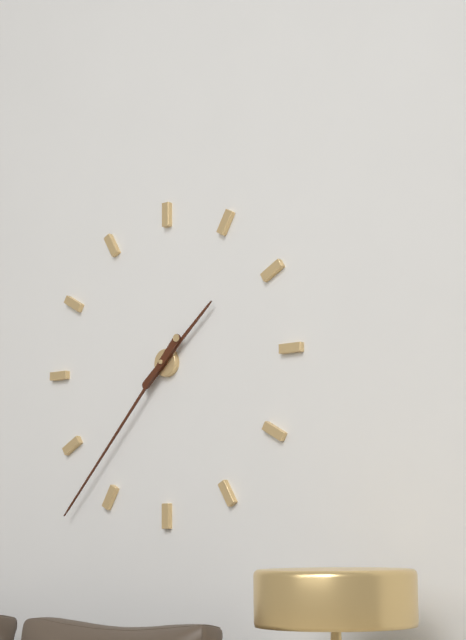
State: 1 h 37 min
